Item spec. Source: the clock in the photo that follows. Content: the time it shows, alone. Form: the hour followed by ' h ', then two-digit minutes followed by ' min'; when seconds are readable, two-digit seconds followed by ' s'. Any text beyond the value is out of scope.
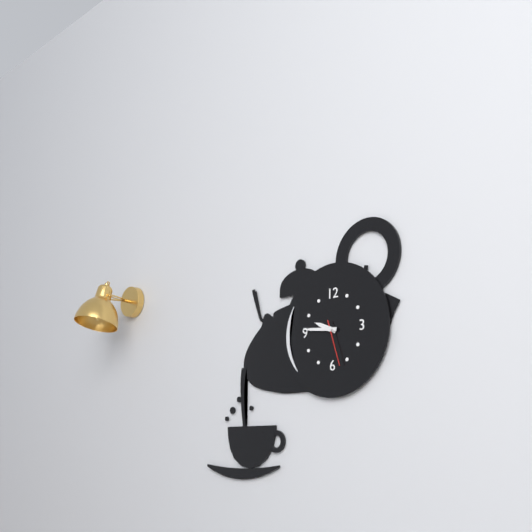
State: 9 h 46 min
